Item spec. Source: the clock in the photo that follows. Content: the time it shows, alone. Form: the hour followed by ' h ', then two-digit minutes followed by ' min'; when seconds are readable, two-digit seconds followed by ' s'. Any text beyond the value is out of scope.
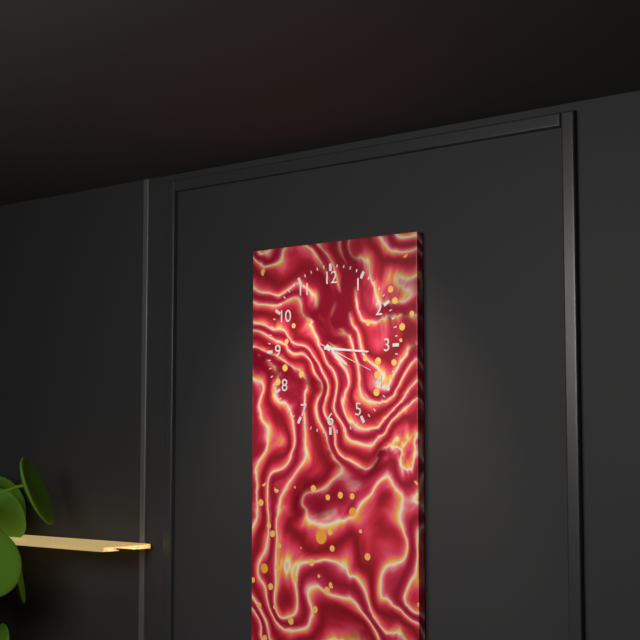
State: 4 h 16 min 19 s
